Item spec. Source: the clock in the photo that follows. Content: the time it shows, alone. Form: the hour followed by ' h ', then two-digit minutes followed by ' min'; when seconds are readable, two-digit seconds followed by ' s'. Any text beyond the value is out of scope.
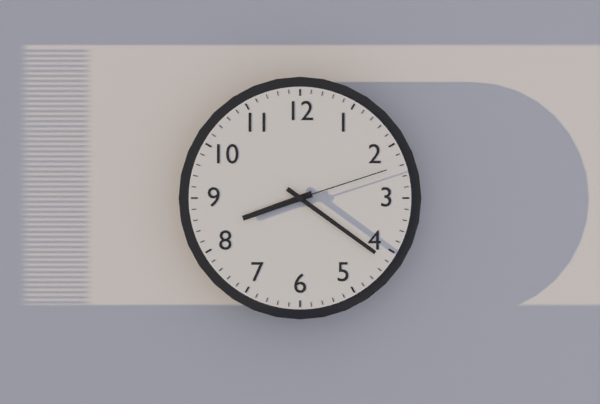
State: 8 h 21 min 12 s
